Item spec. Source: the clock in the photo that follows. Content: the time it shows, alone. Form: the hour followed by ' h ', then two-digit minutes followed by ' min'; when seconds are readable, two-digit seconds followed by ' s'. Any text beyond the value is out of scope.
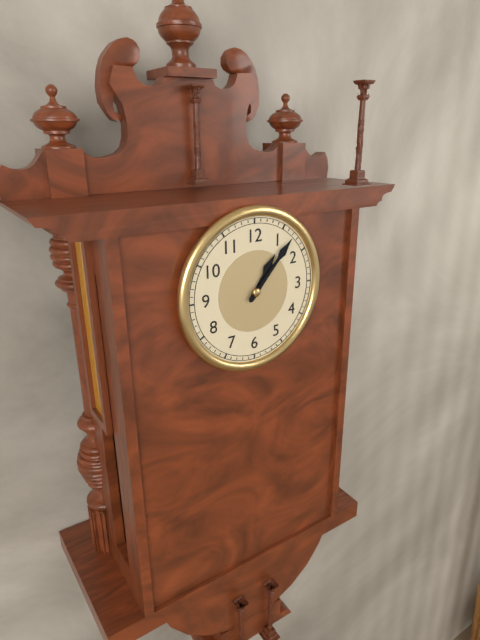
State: 1 h 07 min
